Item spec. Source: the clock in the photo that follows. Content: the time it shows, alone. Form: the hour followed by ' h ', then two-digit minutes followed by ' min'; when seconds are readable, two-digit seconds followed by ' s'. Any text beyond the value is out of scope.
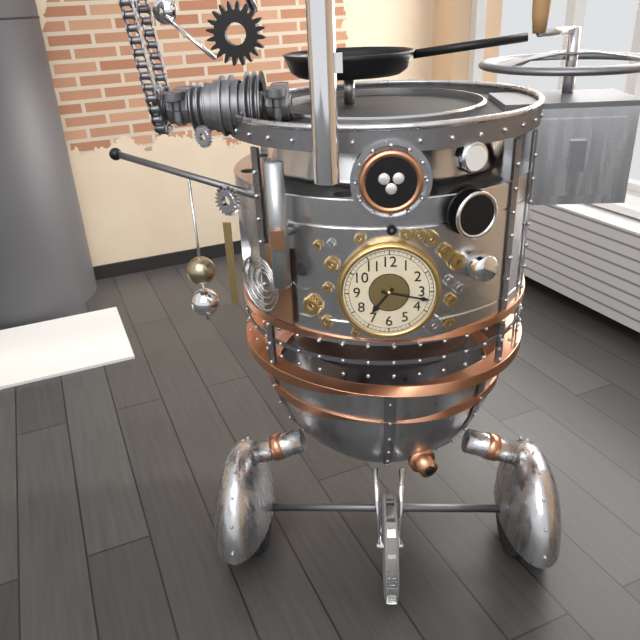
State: 7 h 17 min
